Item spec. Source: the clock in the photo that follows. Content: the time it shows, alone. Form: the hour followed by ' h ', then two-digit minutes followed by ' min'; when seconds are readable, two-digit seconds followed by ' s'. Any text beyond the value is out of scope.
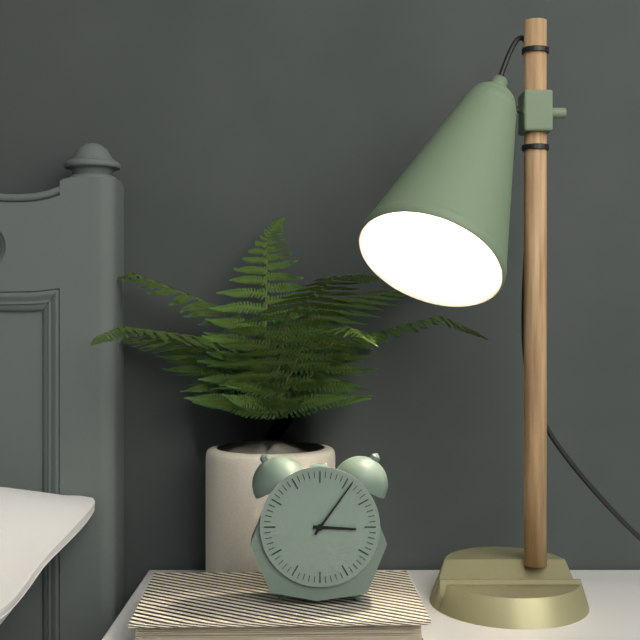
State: 3 h 06 min
